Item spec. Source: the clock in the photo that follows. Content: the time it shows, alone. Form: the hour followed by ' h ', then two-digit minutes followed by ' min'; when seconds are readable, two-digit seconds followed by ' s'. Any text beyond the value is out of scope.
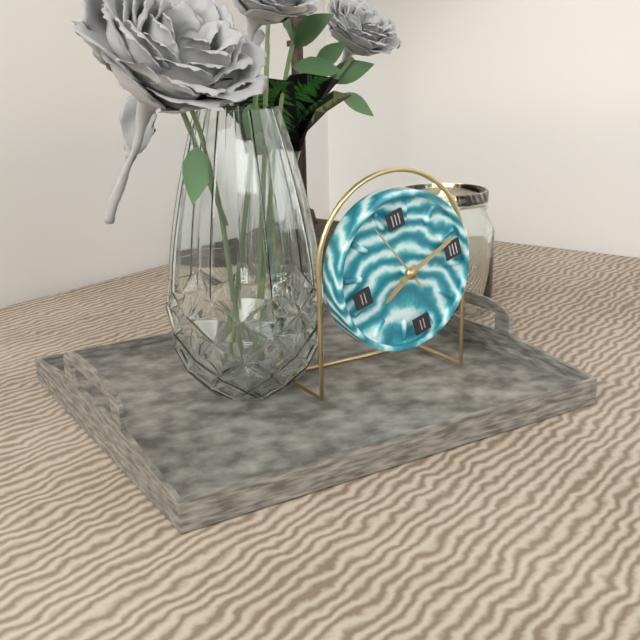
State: 8 h 13 min 56 s
